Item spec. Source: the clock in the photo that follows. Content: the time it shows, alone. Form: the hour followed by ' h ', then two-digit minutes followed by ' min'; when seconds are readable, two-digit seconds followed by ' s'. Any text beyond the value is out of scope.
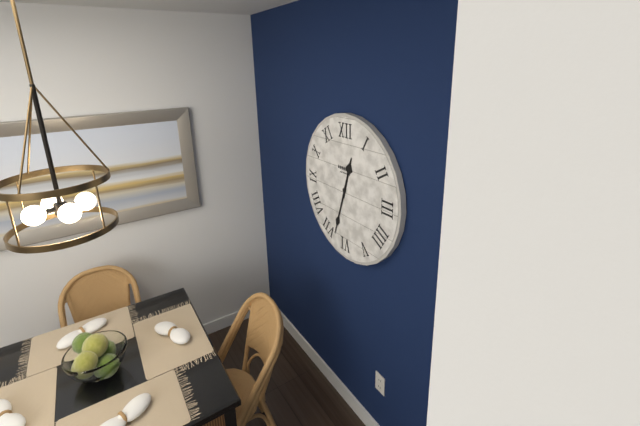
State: 12 h 33 min
